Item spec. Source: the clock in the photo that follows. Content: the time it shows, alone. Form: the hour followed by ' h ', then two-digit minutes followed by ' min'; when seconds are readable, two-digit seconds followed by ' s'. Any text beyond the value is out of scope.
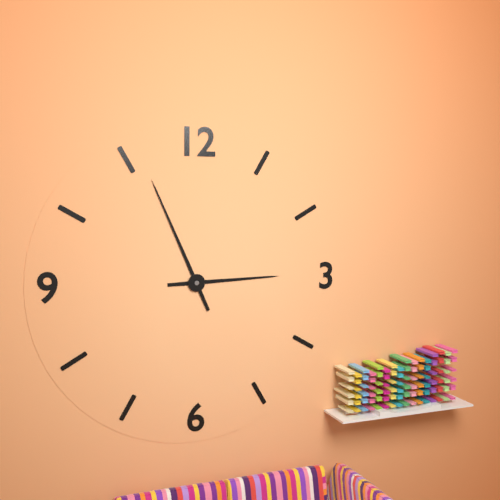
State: 2 h 56 min
